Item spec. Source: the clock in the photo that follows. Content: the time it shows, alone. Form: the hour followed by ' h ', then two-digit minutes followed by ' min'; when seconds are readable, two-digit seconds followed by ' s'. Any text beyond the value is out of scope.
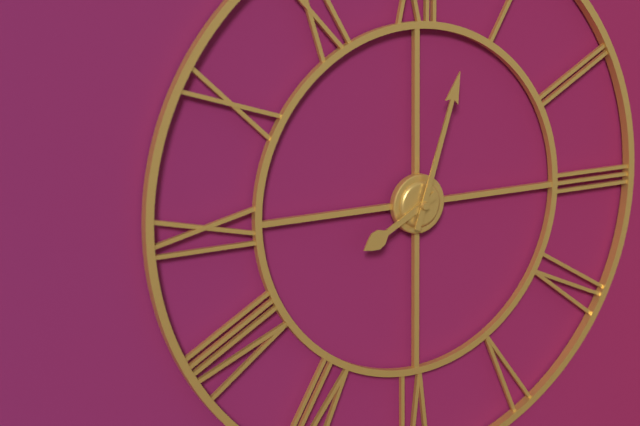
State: 8 h 03 min
